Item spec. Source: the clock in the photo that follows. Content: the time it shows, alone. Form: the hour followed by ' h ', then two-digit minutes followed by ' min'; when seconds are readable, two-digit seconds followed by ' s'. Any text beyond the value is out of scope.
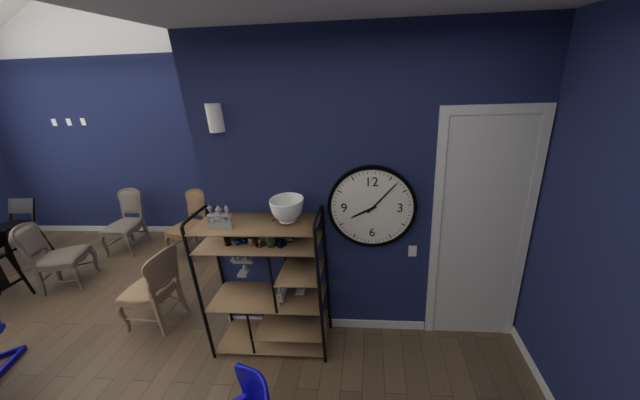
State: 8 h 07 min
